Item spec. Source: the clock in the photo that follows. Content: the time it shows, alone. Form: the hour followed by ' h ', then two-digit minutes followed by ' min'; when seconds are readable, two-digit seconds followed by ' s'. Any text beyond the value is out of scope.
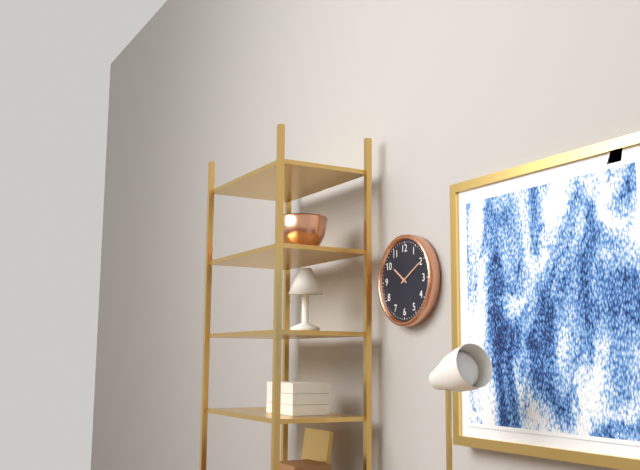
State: 10 h 10 min
